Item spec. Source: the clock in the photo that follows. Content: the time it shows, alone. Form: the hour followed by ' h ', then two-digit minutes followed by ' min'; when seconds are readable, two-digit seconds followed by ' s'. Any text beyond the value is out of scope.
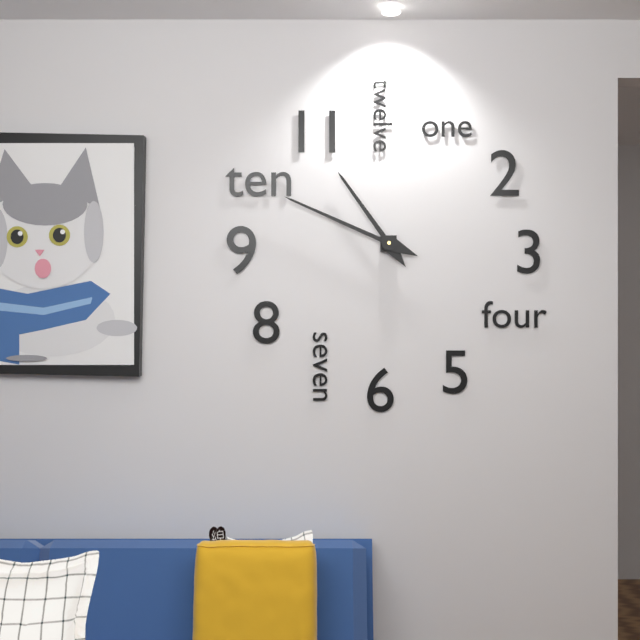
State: 10 h 49 min
